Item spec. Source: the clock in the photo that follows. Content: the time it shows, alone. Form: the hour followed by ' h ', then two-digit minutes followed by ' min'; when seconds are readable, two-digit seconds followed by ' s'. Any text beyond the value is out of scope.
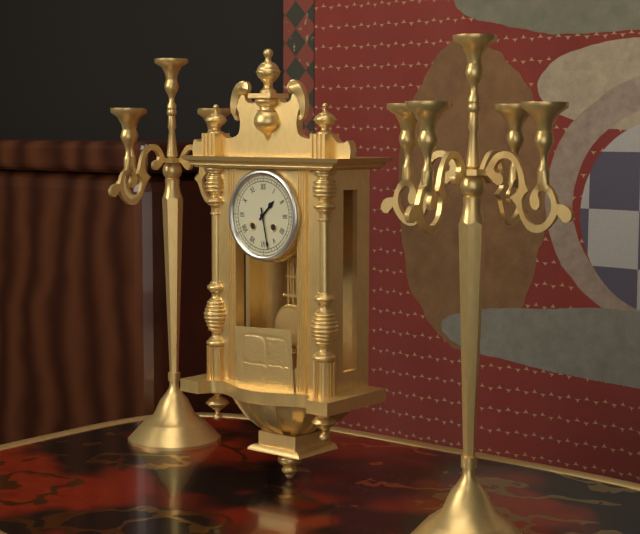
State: 1 h 28 min
